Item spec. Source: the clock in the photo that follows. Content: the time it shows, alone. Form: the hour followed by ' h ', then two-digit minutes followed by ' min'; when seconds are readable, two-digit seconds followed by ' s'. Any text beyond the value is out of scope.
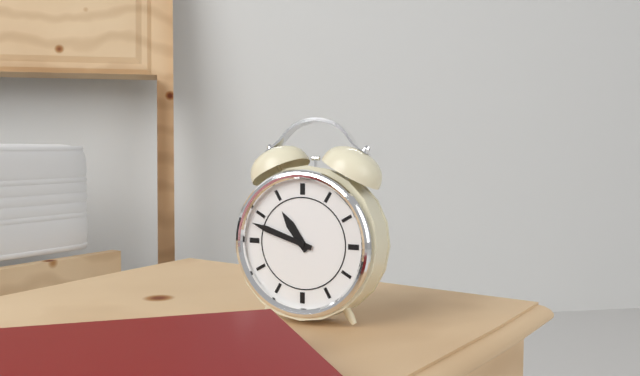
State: 10 h 48 min
